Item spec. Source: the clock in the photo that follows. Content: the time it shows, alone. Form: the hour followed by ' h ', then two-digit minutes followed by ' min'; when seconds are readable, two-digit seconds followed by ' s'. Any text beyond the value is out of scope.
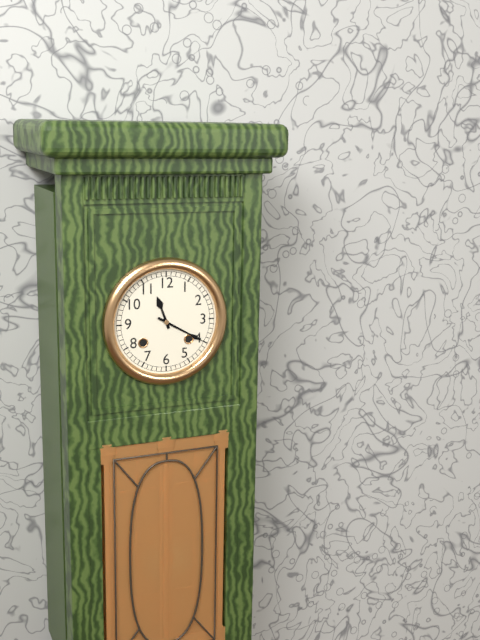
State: 11 h 20 min
